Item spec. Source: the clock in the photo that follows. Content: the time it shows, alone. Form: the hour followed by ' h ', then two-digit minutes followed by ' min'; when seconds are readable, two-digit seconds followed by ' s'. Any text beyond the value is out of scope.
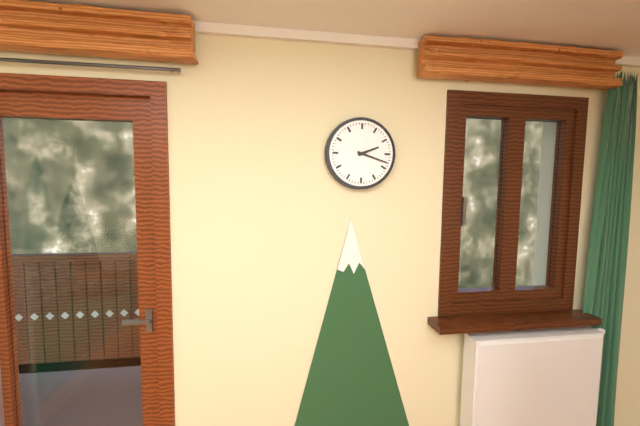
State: 2 h 18 min
